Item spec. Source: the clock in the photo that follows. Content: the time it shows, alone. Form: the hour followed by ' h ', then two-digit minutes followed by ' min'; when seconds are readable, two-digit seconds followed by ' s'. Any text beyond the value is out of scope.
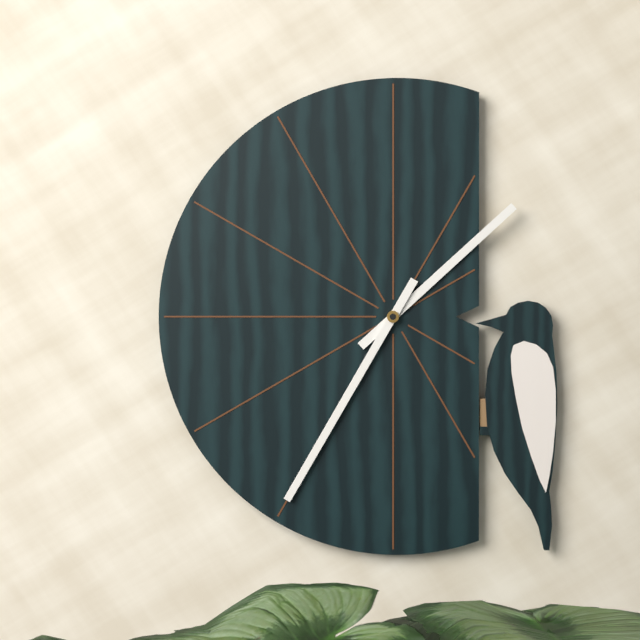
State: 1 h 35 min
